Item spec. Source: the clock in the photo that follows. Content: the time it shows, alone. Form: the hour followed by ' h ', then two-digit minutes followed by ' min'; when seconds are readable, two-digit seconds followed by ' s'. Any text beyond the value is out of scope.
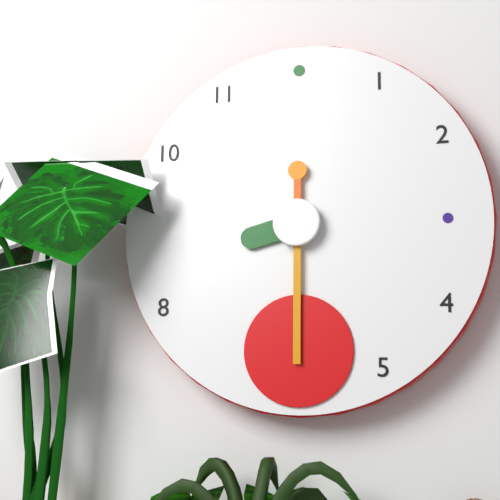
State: 8 h 30 min
